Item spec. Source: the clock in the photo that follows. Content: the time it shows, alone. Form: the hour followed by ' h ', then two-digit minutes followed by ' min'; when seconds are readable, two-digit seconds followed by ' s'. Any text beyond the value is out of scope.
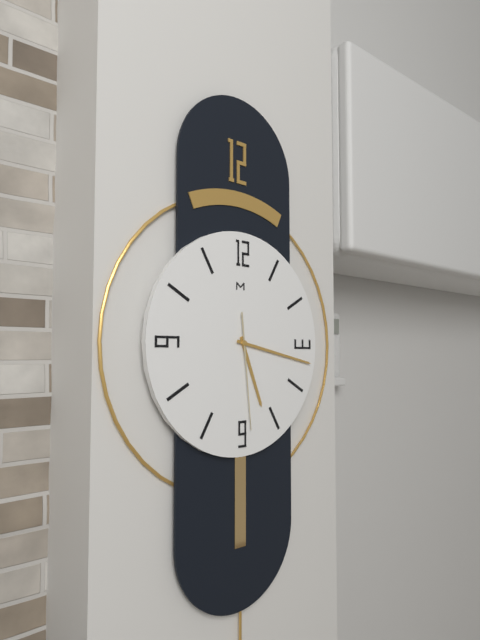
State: 5 h 17 min 29 s
